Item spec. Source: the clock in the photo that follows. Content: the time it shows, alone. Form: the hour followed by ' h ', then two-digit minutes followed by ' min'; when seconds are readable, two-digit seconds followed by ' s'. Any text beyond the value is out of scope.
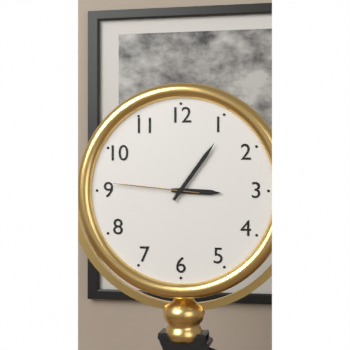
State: 3 h 06 min 46 s
